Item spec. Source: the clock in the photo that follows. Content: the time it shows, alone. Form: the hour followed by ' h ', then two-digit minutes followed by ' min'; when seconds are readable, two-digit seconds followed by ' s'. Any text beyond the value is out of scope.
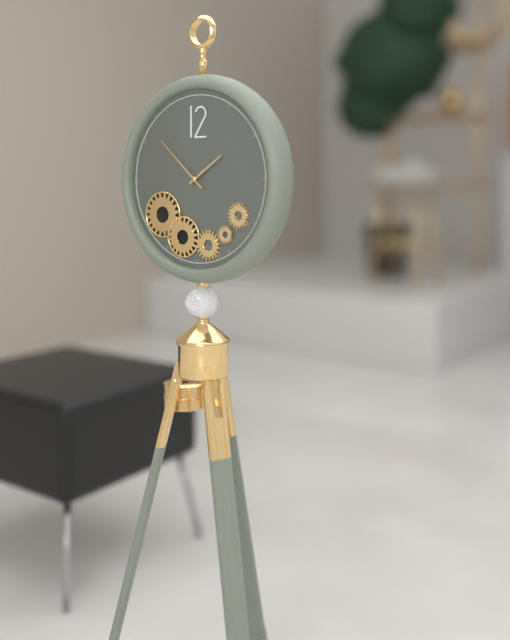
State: 1 h 52 min
